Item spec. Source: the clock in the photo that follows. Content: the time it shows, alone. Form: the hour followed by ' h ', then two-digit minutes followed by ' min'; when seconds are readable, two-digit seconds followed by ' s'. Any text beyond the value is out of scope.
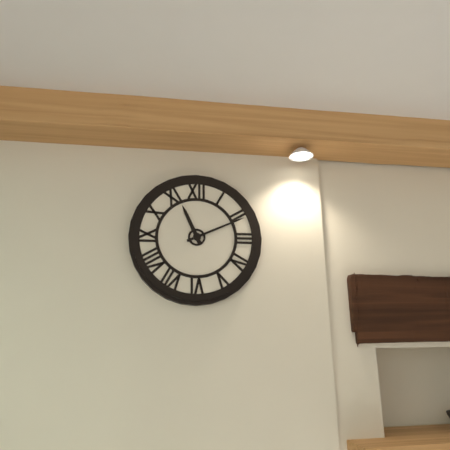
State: 11 h 11 min
